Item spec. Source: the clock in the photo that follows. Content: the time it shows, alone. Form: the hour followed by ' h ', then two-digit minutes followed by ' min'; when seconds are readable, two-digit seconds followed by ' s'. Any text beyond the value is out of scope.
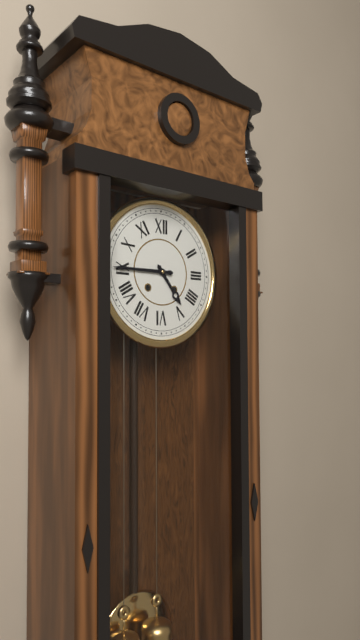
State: 4 h 45 min
